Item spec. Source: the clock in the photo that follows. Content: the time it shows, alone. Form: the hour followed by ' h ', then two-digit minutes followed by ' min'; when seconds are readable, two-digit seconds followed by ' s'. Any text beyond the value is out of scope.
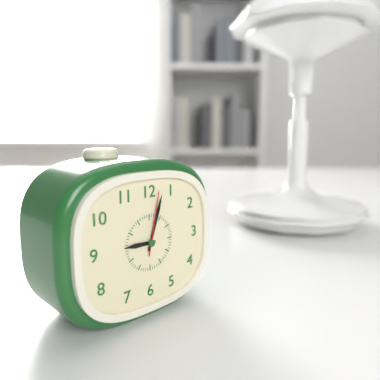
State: 9 h 03 min 02 s
